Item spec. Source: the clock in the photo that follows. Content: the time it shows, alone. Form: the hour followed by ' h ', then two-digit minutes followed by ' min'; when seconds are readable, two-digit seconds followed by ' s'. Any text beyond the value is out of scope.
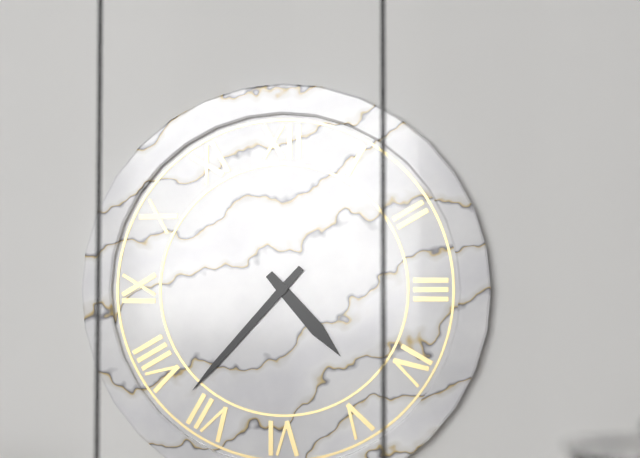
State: 4 h 37 min
